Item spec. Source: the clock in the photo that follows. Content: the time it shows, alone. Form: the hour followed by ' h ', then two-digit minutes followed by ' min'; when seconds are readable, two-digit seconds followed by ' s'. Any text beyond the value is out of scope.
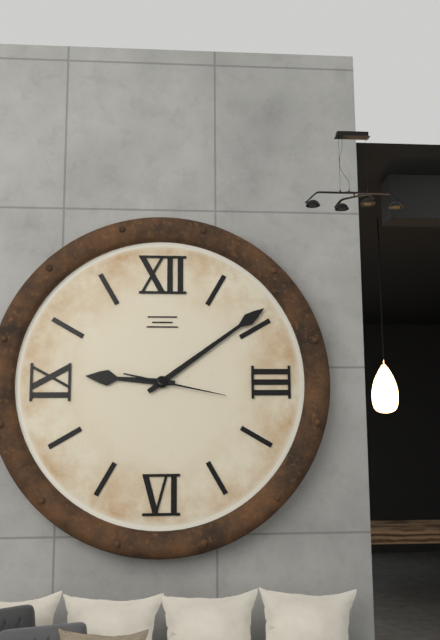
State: 9 h 09 min 17 s
